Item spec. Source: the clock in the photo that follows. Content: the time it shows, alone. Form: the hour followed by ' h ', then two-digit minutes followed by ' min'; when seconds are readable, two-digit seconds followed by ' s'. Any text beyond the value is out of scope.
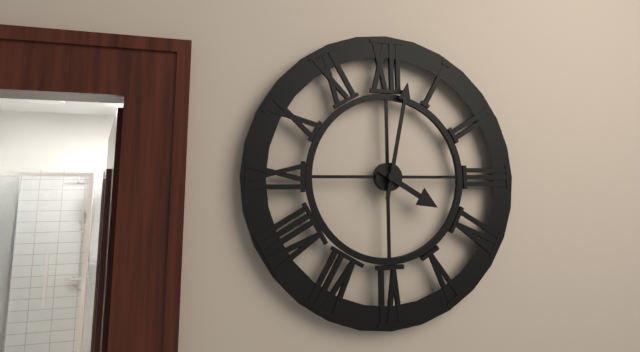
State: 4 h 02 min
